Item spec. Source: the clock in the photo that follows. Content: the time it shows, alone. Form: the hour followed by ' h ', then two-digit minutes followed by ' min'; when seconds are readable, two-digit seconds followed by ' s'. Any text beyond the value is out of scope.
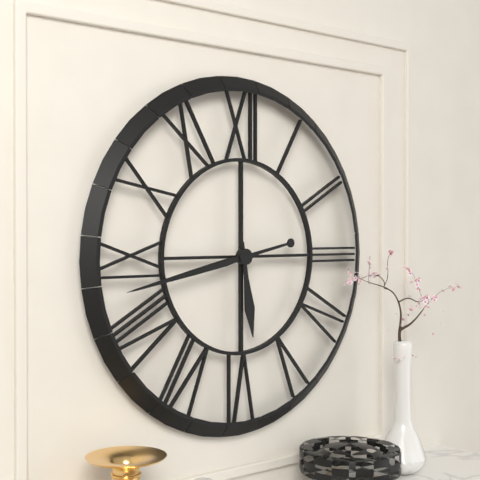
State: 5 h 43 min
